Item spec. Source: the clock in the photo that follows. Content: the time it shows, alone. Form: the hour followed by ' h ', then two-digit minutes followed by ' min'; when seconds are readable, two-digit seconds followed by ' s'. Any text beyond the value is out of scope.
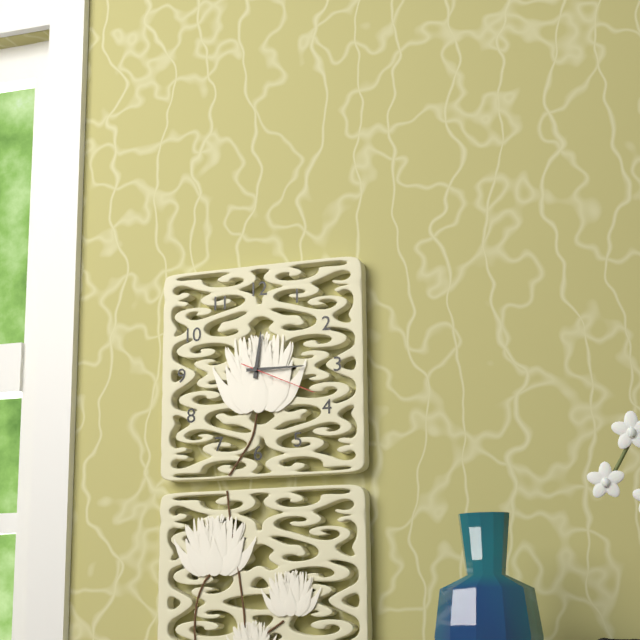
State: 12 h 15 min 19 s
